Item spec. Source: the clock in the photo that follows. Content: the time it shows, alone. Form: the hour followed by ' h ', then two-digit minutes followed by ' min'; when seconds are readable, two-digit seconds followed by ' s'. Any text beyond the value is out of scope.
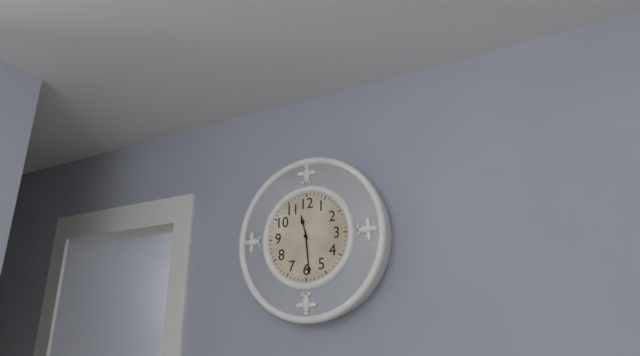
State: 11 h 29 min
